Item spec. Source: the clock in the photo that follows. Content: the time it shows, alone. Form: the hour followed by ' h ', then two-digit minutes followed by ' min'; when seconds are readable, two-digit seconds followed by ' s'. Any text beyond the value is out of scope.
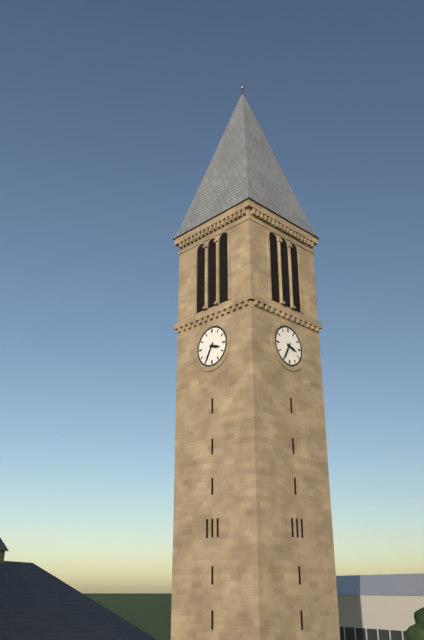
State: 3 h 35 min
